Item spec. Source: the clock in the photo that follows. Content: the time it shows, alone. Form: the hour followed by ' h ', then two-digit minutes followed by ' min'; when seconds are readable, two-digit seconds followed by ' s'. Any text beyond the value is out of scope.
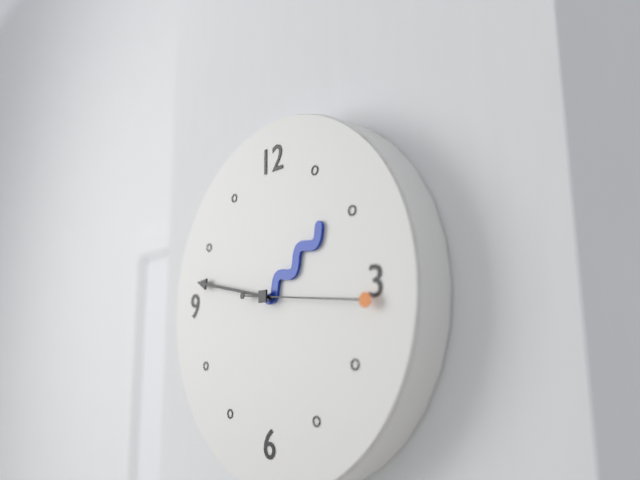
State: 1 h 47 min 16 s
